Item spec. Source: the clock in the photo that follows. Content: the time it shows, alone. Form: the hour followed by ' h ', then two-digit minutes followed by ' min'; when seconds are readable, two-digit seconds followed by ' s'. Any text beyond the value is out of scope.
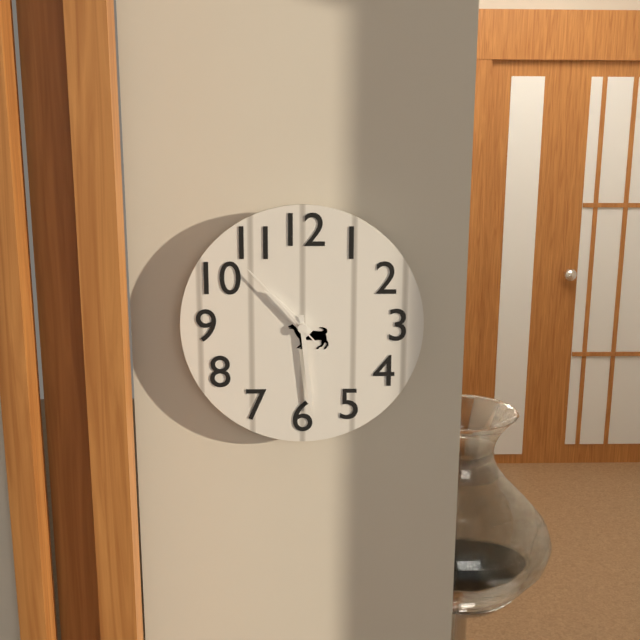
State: 10 h 29 min 53 s
